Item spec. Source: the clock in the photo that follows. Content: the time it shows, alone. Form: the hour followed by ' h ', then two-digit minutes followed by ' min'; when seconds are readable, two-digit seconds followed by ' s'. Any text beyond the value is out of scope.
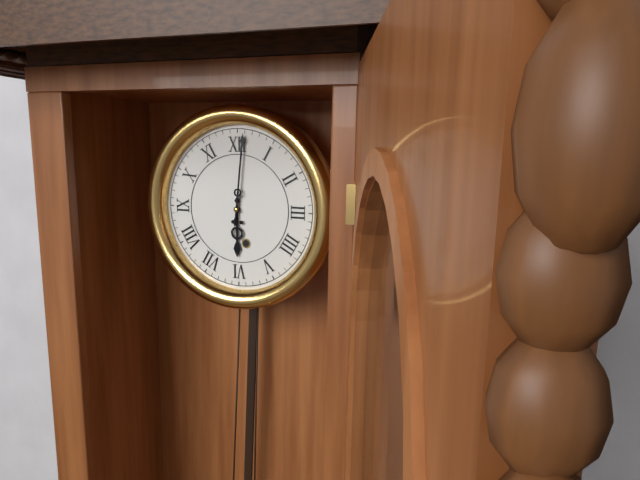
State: 6 h 01 min
